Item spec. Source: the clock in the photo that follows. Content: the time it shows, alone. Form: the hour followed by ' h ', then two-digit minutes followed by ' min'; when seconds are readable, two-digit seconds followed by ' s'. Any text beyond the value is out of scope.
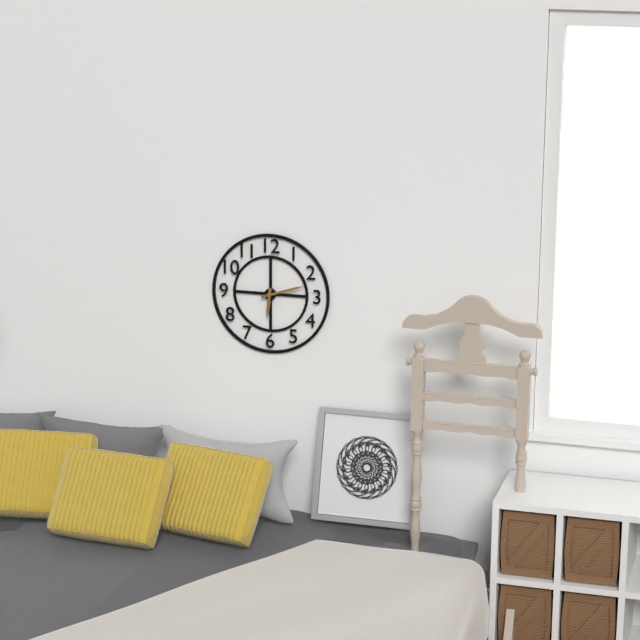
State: 6 h 12 min
